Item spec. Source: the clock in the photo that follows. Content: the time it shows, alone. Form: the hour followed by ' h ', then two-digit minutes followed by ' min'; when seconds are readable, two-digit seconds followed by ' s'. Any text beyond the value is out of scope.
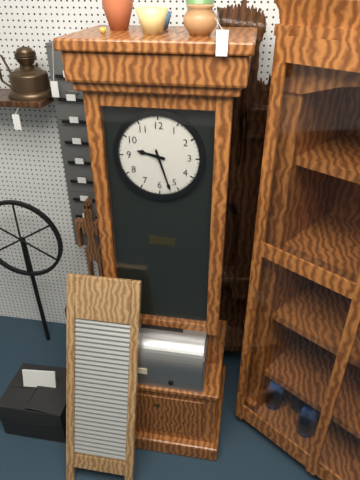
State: 9 h 27 min
